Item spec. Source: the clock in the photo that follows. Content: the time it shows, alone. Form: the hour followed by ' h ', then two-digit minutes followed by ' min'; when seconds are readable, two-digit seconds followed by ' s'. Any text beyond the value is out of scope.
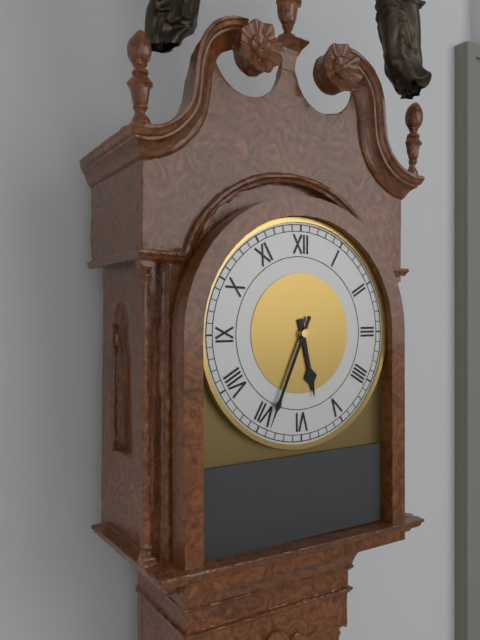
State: 5 h 34 min
